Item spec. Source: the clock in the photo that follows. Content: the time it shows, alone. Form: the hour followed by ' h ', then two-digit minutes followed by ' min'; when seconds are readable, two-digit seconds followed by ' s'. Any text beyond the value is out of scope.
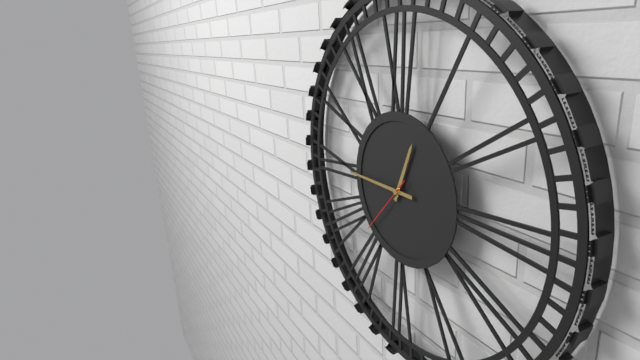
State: 12 h 45 min 37 s
